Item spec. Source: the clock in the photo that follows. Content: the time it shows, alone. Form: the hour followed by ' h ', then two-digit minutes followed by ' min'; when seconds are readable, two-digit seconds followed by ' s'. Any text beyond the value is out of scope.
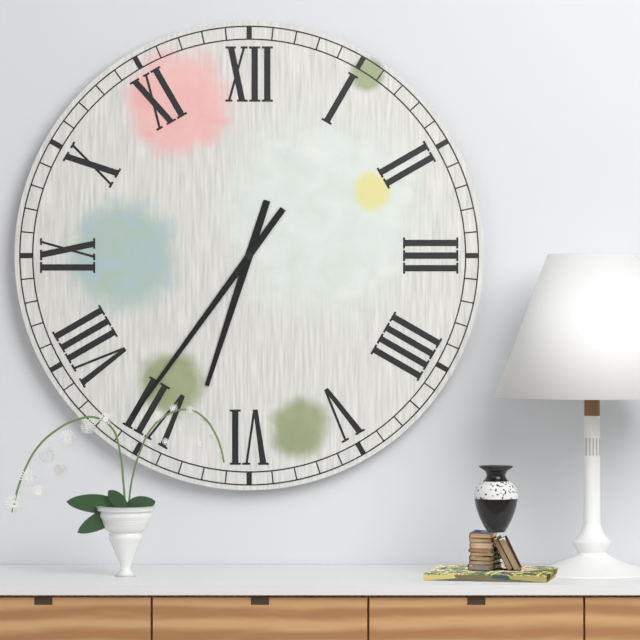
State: 6 h 36 min
